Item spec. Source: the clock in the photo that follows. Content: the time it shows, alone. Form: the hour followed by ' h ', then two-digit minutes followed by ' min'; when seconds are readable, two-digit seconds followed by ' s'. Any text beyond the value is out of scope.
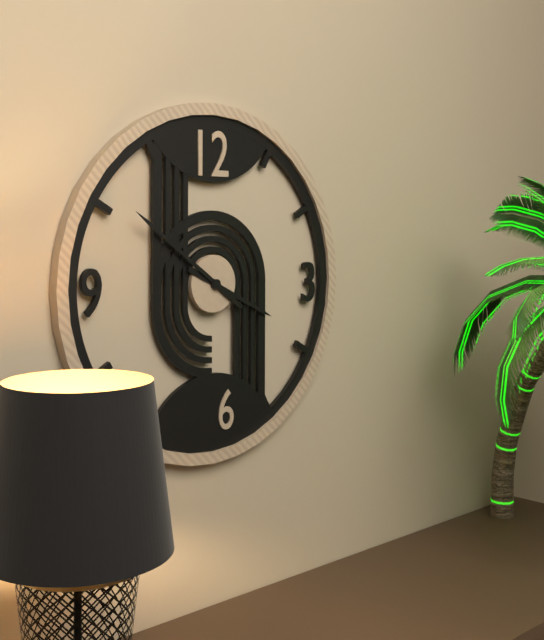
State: 3 h 51 min
